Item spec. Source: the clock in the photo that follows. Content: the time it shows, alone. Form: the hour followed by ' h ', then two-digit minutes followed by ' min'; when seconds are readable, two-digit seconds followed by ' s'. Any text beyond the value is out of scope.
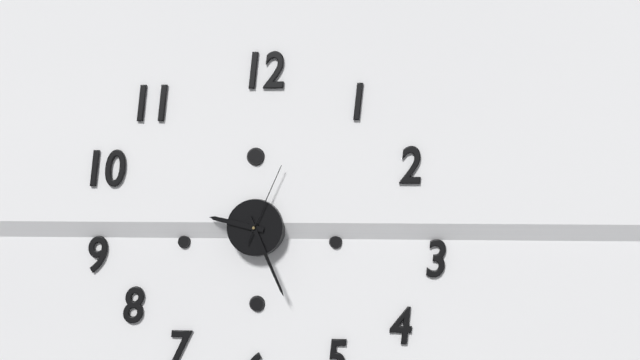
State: 9 h 26 min 04 s
